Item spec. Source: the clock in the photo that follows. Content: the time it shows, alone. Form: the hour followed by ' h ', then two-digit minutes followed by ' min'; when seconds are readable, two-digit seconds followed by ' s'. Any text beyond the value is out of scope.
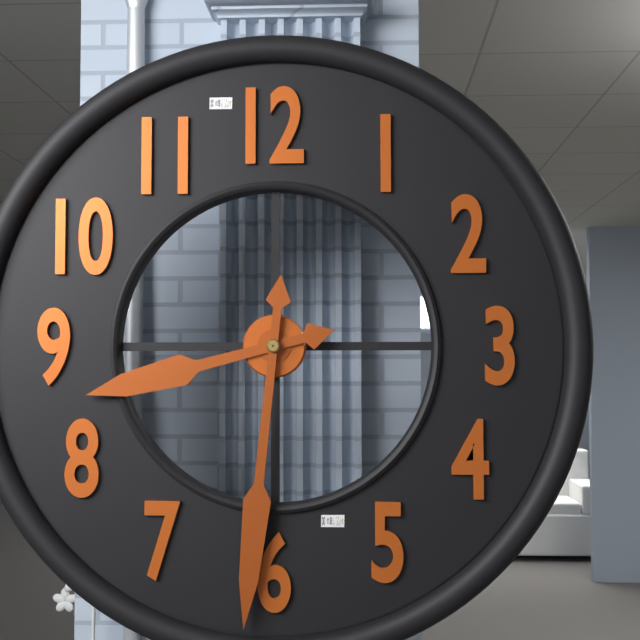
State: 8 h 31 min
